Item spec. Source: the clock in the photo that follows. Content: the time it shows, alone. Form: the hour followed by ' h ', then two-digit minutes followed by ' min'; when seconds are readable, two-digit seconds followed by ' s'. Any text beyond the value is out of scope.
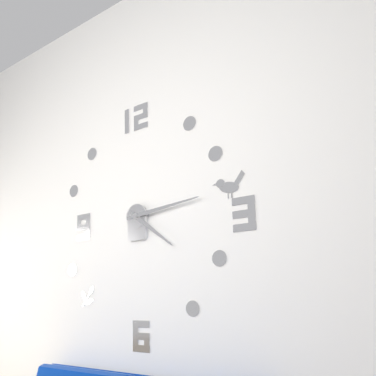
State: 4 h 14 min
